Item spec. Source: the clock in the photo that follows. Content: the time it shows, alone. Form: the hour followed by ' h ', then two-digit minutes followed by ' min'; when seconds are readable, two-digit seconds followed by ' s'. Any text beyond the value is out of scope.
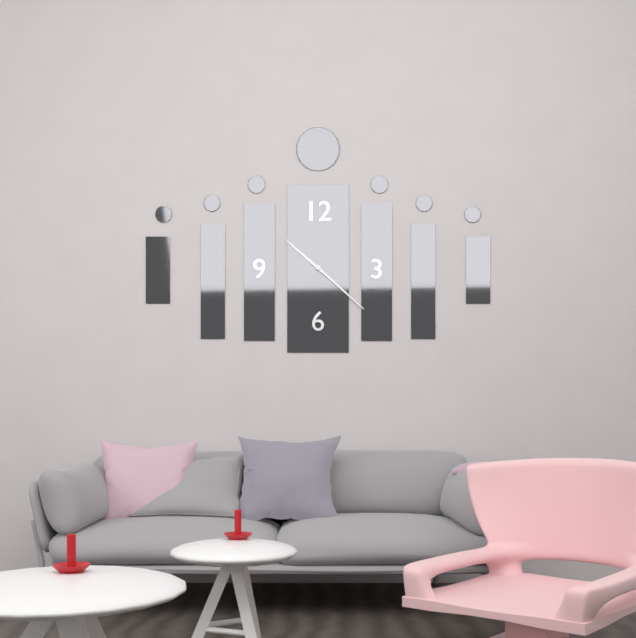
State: 10 h 22 min
